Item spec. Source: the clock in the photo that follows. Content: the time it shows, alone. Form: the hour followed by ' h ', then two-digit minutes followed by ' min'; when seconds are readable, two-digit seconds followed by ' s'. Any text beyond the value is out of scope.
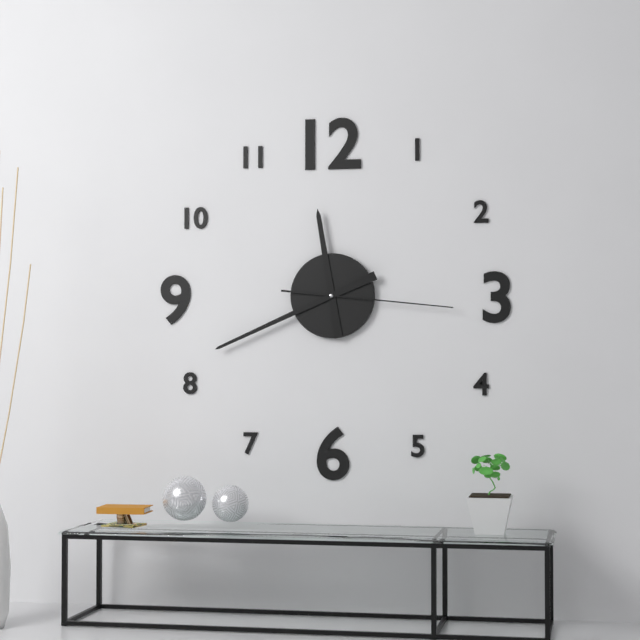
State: 11 h 41 min 16 s
